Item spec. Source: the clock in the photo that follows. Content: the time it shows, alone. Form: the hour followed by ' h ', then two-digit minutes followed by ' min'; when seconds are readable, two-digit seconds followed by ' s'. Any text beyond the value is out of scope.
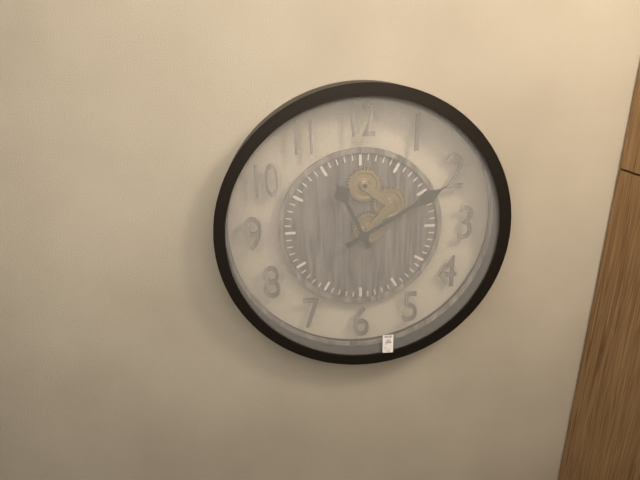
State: 11 h 10 min
